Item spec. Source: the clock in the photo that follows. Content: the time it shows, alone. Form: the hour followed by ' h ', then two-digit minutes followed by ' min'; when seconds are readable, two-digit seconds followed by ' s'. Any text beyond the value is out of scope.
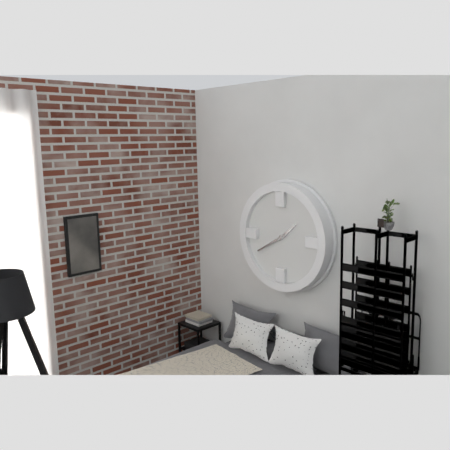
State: 1 h 40 min
